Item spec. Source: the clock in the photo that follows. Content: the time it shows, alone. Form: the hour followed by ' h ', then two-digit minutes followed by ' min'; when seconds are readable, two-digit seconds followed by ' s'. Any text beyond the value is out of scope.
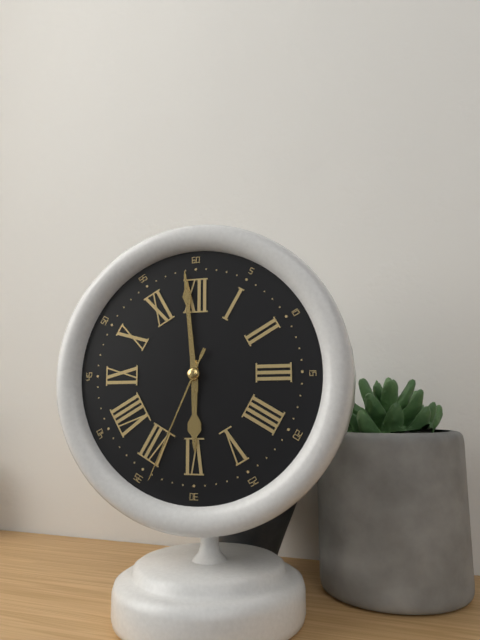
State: 5 h 59 min 34 s
